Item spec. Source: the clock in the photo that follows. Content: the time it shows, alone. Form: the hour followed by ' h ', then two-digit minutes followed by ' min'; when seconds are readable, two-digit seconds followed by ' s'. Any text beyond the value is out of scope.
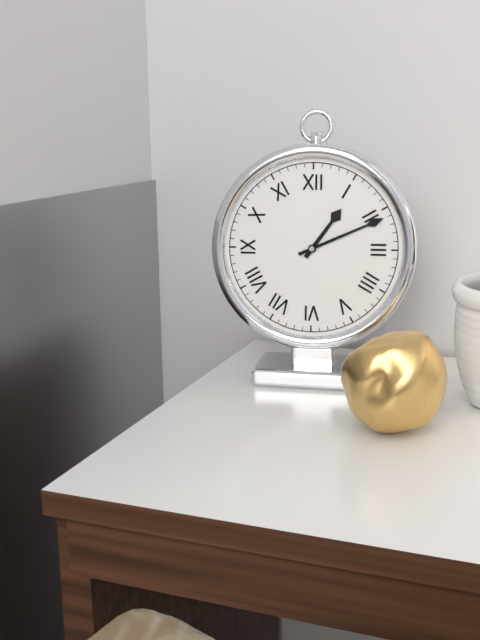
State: 1 h 11 min
